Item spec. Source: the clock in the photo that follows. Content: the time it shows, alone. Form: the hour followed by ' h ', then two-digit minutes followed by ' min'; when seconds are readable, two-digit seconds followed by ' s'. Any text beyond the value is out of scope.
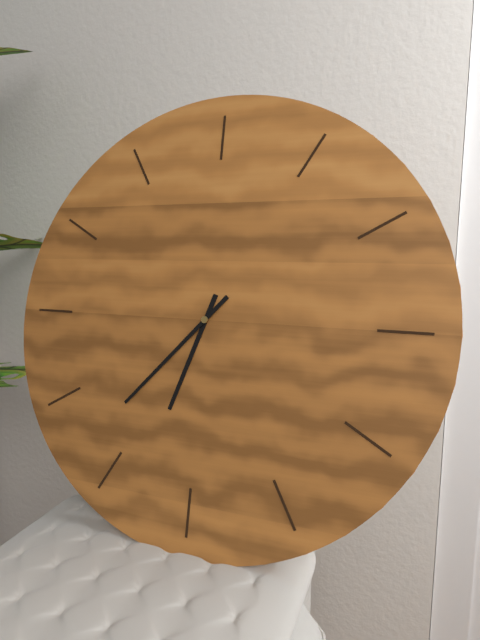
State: 6 h 37 min
